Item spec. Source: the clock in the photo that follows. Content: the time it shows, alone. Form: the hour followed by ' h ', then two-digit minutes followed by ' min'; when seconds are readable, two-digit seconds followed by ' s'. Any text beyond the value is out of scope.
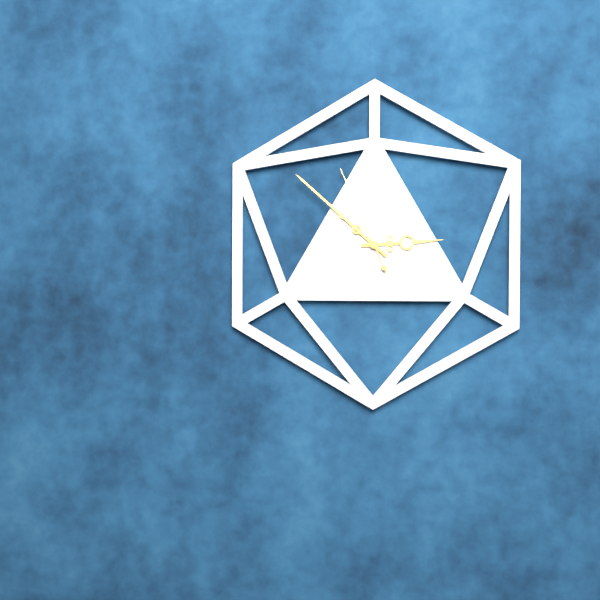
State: 2 h 52 min 56 s
